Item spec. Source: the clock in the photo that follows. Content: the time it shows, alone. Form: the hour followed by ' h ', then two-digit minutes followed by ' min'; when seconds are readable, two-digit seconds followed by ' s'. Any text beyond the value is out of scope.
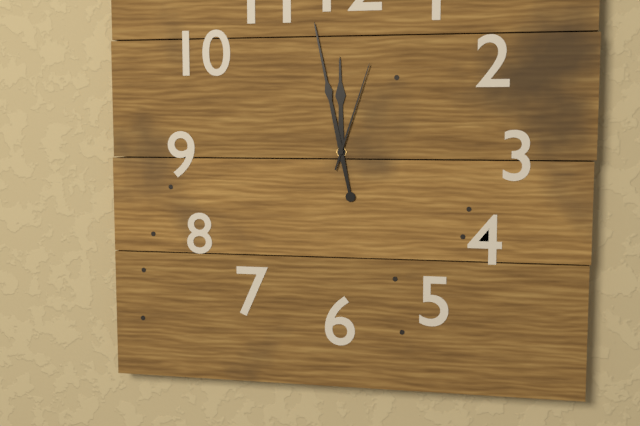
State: 11 h 58 min 03 s
